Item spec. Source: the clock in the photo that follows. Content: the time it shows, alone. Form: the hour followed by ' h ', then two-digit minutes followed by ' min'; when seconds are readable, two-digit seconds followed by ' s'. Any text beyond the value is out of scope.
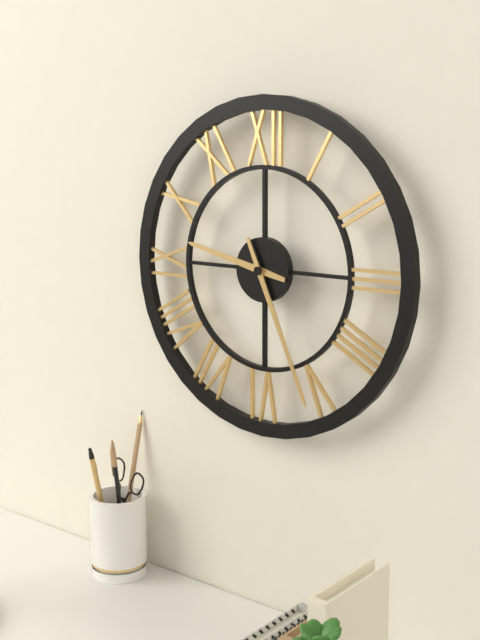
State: 9 h 26 min
